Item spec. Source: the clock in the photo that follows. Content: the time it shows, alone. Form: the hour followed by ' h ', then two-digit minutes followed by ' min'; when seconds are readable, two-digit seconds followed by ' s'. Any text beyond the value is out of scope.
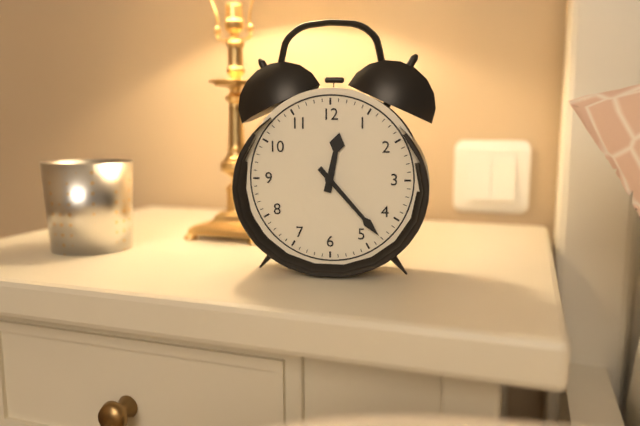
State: 12 h 23 min
